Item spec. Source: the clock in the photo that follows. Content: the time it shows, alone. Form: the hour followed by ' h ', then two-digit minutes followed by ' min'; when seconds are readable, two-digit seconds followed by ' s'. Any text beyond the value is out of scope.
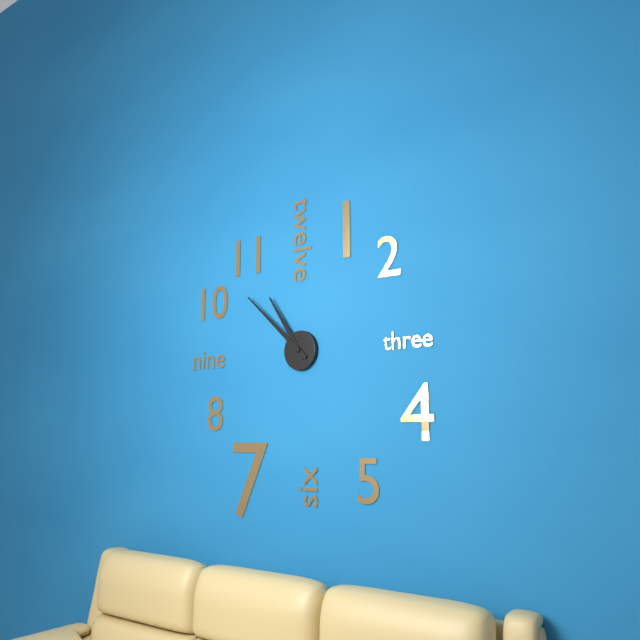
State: 10 h 52 min
